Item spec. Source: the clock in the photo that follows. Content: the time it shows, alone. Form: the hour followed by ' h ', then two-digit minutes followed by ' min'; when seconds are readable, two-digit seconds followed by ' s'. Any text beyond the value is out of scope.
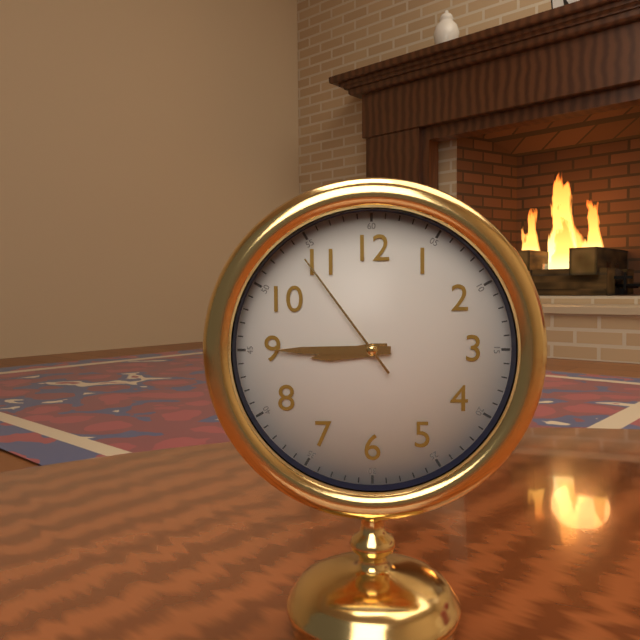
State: 8 h 45 min 54 s
